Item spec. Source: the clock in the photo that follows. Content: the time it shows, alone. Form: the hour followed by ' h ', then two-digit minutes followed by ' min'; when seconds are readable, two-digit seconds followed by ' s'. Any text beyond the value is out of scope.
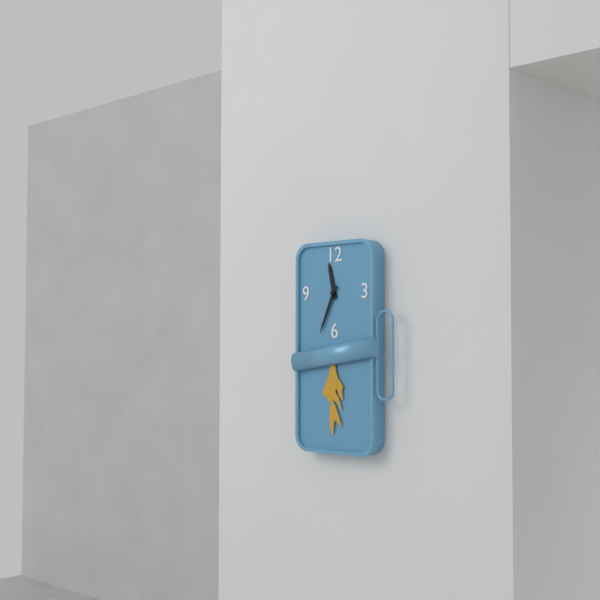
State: 11 h 34 min
